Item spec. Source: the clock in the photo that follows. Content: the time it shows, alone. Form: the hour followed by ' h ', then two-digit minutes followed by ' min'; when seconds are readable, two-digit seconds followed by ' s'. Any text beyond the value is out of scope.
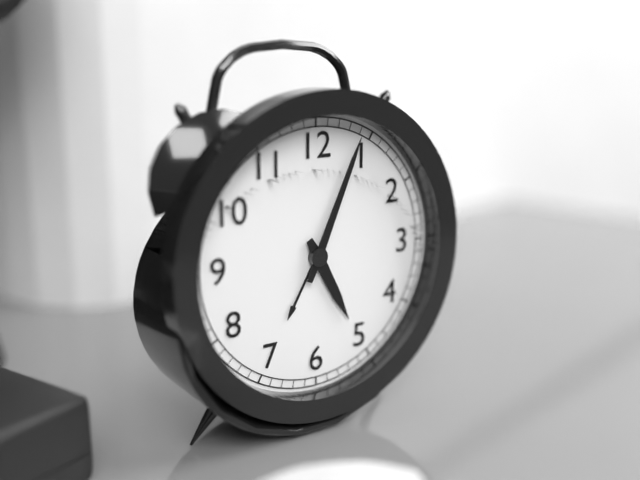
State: 5 h 04 min
